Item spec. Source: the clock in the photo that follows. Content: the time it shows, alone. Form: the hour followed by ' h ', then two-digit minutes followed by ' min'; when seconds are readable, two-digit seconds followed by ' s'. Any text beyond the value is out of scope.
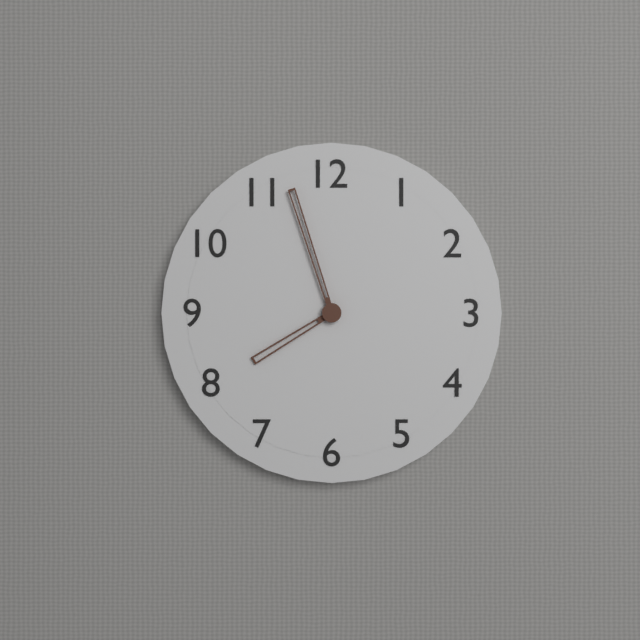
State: 7 h 57 min
